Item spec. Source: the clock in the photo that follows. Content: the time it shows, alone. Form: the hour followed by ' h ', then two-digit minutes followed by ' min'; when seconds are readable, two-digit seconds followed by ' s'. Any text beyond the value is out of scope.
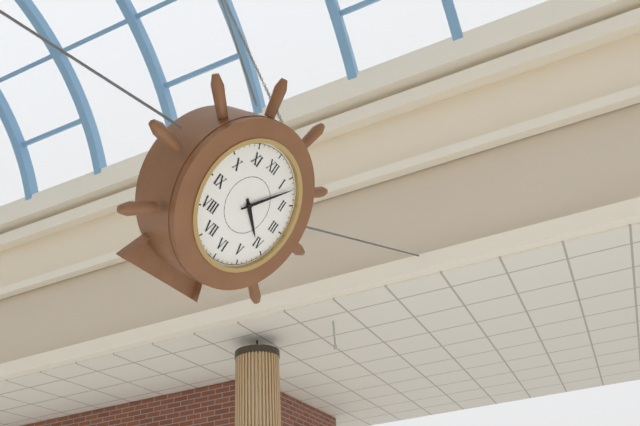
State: 4 h 07 min
